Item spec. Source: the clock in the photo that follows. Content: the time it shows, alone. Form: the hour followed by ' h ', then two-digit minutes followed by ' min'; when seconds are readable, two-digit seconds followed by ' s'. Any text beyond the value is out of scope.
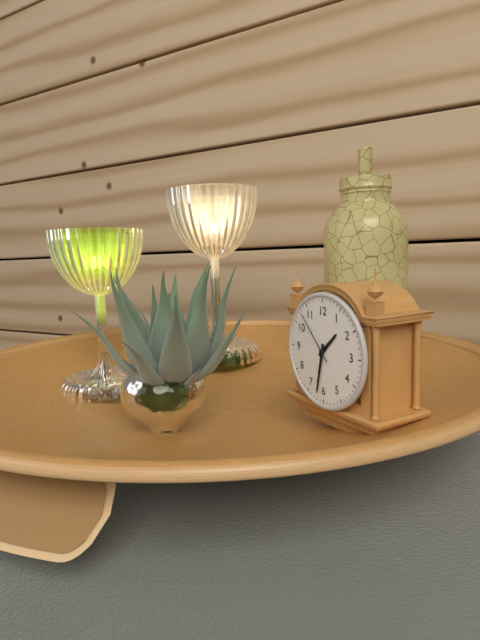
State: 1 h 32 min 53 s
